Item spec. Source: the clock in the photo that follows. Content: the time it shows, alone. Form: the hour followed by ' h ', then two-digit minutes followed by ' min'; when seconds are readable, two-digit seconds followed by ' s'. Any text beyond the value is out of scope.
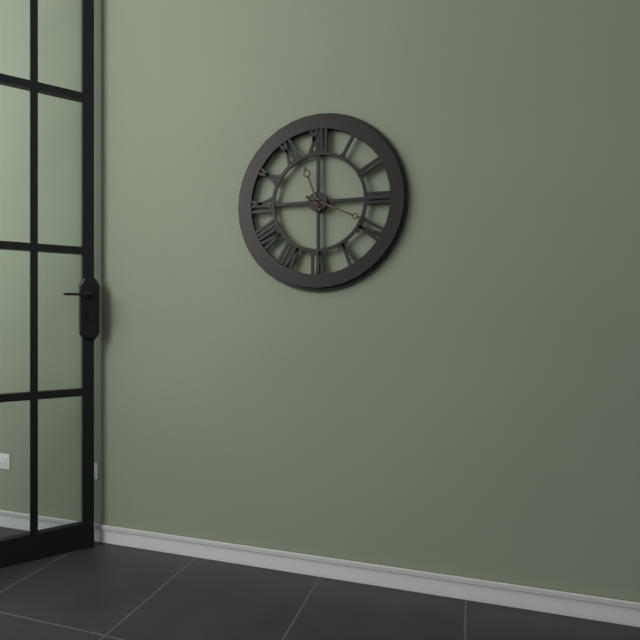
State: 11 h 19 min
